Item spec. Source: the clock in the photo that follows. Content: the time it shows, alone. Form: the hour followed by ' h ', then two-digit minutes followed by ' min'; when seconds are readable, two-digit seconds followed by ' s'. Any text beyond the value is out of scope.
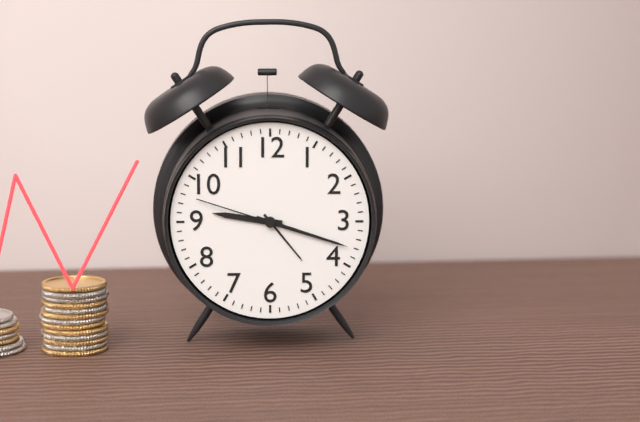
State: 9 h 18 min 48 s
